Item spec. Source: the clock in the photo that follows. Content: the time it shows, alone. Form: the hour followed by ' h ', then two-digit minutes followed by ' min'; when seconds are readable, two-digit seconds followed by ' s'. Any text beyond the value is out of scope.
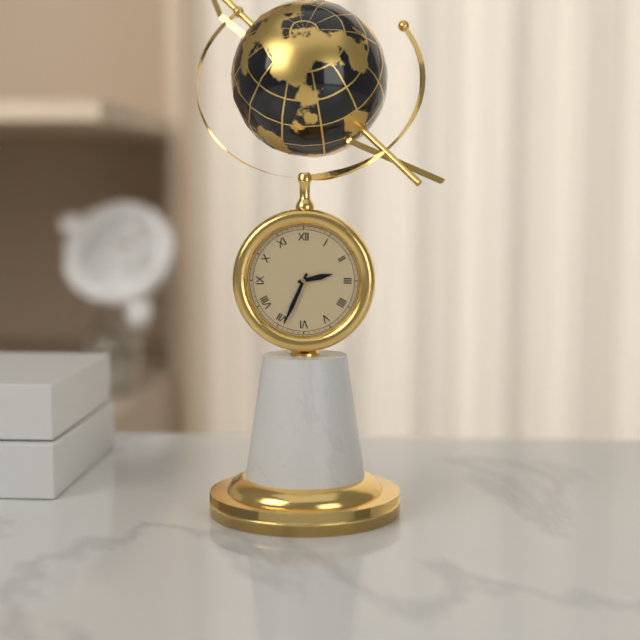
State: 2 h 34 min
